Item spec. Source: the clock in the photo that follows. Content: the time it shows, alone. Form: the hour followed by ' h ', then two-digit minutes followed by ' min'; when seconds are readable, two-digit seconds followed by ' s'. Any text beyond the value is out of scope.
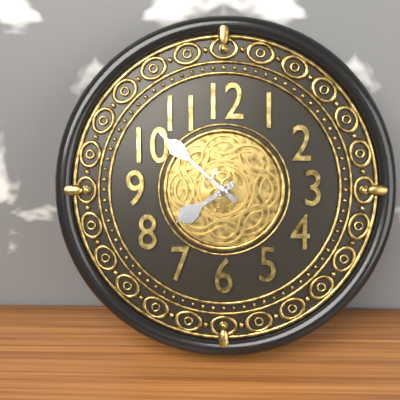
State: 7 h 52 min
